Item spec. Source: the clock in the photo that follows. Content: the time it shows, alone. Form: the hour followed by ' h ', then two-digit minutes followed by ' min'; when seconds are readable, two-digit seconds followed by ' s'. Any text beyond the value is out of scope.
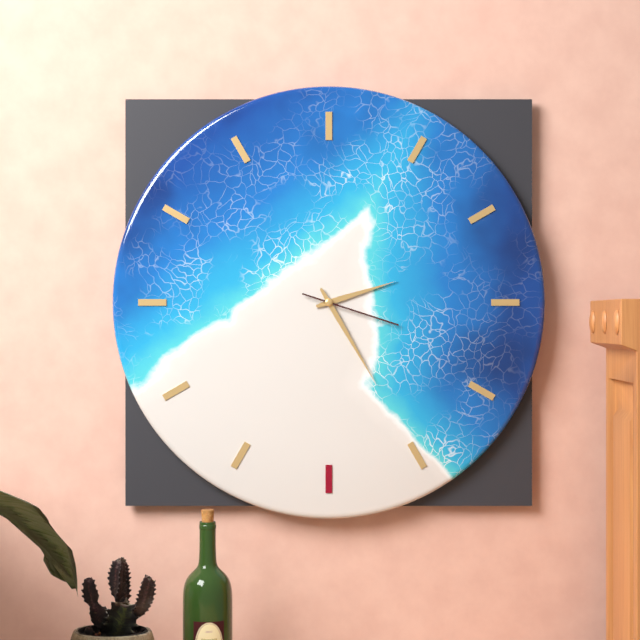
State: 2 h 25 min 18 s
